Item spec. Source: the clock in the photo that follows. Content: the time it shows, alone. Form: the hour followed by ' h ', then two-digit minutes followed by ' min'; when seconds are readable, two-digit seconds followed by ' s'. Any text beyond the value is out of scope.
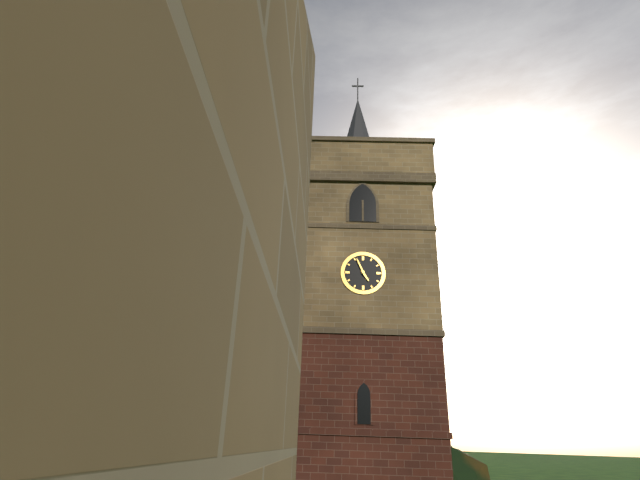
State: 4 h 56 min
